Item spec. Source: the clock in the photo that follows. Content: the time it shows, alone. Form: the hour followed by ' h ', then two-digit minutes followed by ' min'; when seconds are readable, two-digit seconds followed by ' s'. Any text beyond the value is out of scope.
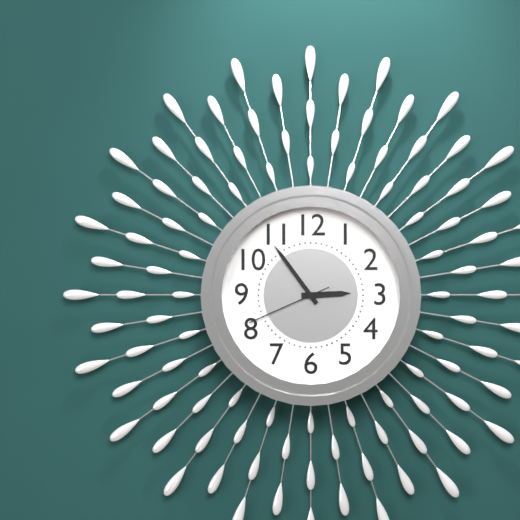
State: 2 h 54 min 41 s
